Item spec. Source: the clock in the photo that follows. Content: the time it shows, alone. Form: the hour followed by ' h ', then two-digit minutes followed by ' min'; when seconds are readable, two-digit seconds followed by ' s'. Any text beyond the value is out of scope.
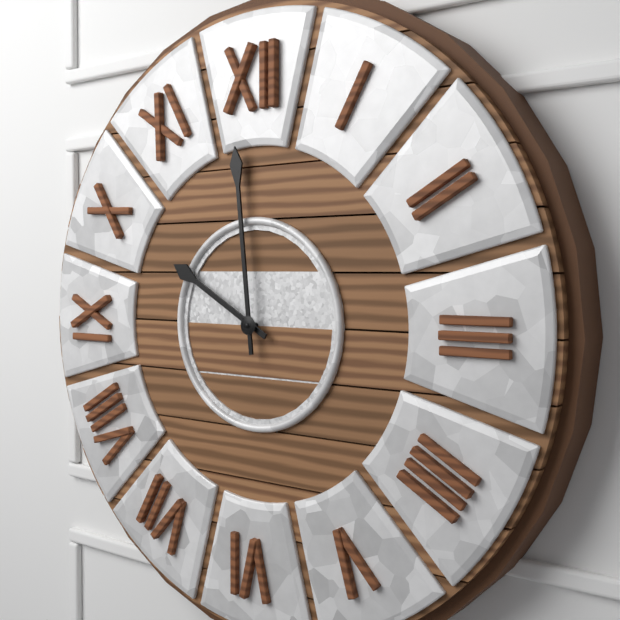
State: 9 h 59 min
